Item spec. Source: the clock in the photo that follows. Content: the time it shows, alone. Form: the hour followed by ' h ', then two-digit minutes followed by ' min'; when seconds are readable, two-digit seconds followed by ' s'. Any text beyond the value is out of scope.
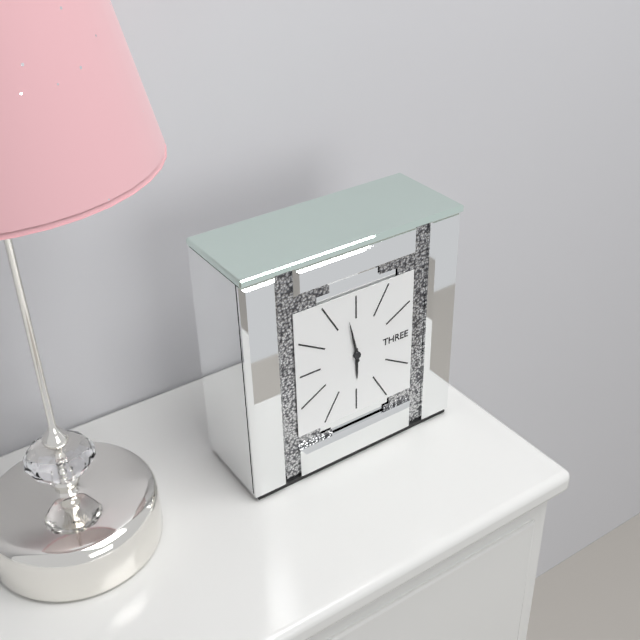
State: 5 h 58 min
